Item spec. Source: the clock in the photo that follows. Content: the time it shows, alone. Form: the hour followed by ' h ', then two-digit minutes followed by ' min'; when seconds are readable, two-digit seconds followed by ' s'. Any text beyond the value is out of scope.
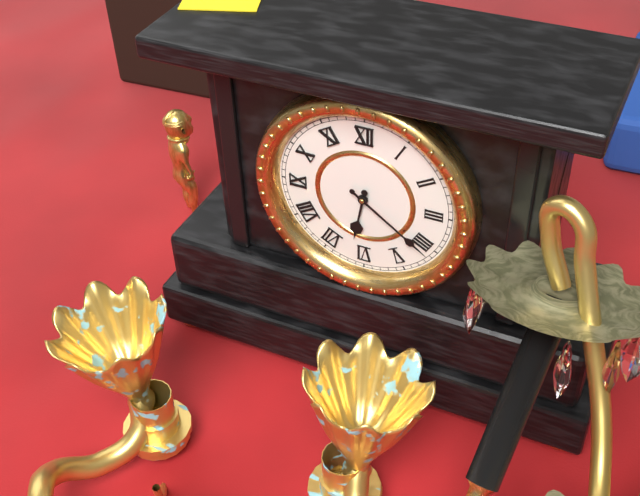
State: 6 h 21 min
